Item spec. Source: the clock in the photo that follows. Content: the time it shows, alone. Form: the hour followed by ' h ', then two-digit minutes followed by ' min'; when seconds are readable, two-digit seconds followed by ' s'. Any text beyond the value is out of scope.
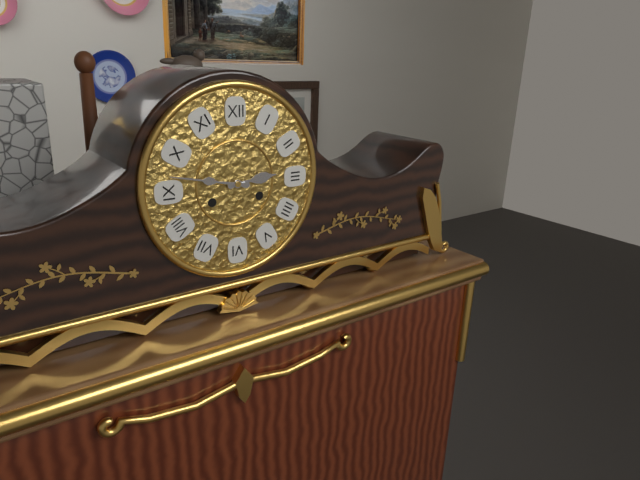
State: 2 h 47 min
